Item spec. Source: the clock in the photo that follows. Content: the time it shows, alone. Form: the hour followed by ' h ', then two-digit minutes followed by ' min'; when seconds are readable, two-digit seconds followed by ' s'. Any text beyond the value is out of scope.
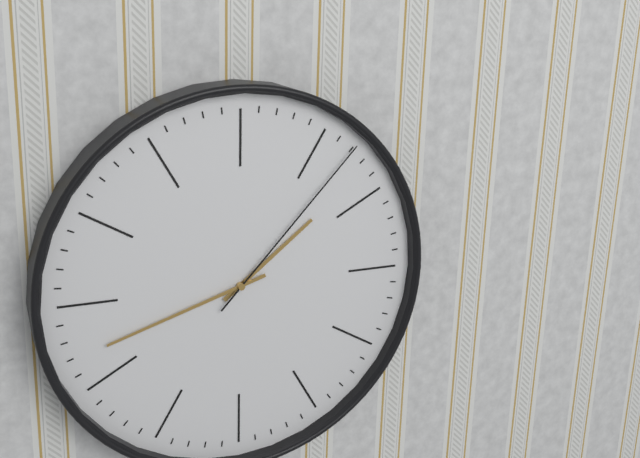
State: 1 h 42 min 07 s
